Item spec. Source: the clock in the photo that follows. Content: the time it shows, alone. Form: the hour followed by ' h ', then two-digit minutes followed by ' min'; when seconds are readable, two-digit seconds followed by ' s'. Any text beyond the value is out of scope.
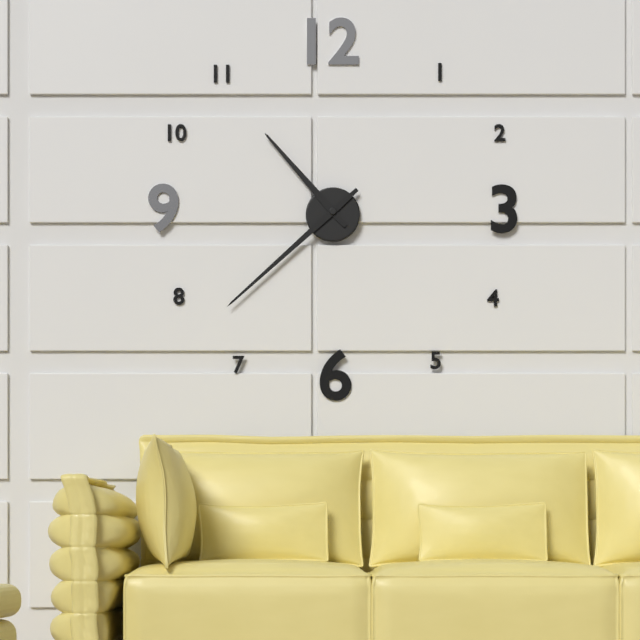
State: 10 h 38 min
